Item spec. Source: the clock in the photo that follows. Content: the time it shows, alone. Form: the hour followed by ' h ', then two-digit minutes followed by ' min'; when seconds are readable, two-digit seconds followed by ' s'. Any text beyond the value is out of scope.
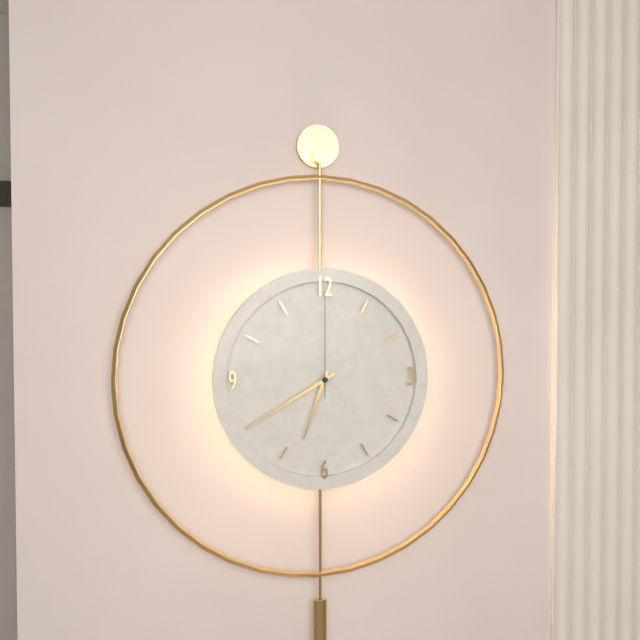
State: 6 h 40 min 00 s
